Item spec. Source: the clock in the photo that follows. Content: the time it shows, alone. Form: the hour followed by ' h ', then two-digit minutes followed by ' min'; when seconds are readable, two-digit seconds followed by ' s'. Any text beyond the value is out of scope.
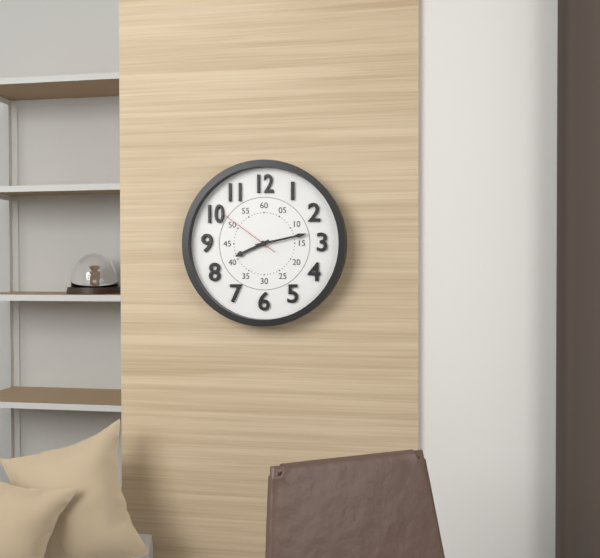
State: 8 h 13 min 51 s
